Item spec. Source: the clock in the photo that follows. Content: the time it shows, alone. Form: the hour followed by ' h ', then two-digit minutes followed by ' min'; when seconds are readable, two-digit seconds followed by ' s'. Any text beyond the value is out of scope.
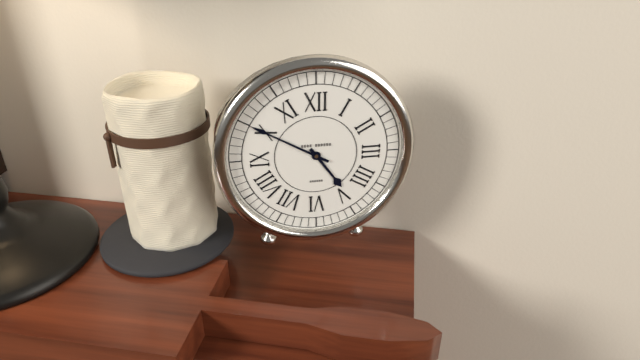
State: 4 h 50 min
